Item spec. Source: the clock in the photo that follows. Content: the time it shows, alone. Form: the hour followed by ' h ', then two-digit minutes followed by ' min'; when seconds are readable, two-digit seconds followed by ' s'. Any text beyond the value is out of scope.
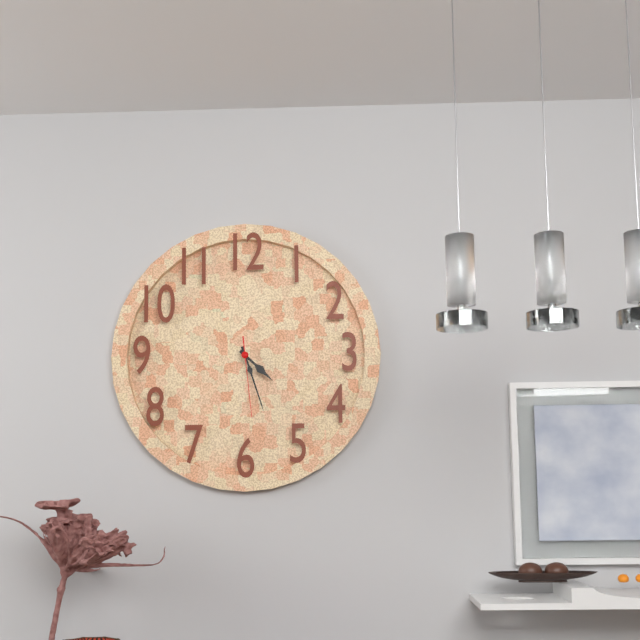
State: 4 h 27 min 29 s
